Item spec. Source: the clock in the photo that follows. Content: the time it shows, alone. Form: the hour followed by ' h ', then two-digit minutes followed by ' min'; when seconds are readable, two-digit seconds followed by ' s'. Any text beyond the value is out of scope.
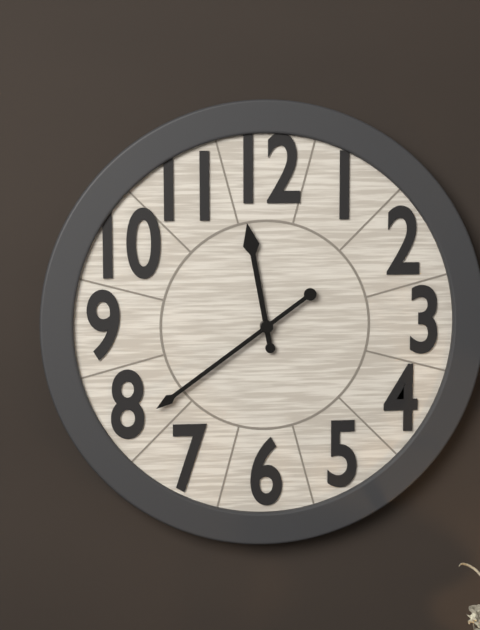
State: 11 h 39 min
